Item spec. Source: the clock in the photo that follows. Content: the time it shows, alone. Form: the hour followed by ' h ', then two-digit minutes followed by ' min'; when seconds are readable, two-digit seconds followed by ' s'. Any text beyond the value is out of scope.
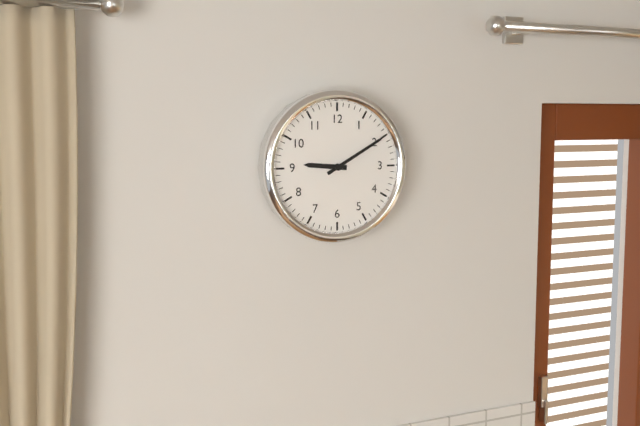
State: 9 h 10 min
